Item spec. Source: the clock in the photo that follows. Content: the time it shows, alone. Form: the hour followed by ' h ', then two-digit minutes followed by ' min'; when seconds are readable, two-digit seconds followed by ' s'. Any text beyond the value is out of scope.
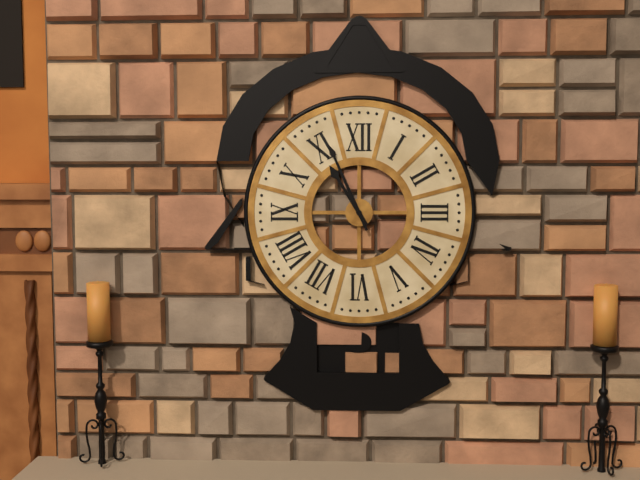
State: 10 h 56 min
